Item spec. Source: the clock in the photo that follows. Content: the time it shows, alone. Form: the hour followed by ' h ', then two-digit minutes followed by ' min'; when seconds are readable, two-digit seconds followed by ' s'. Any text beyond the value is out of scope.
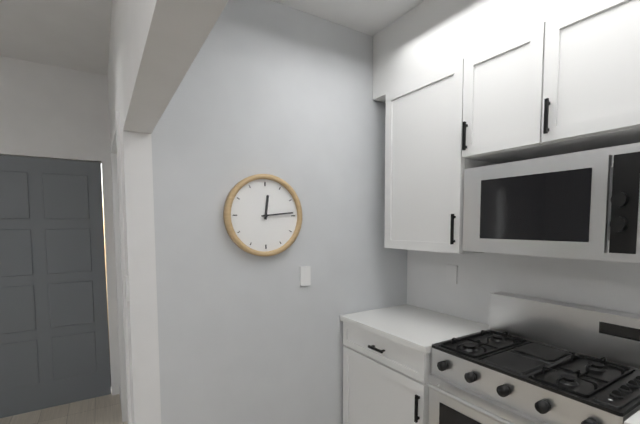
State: 12 h 14 min
